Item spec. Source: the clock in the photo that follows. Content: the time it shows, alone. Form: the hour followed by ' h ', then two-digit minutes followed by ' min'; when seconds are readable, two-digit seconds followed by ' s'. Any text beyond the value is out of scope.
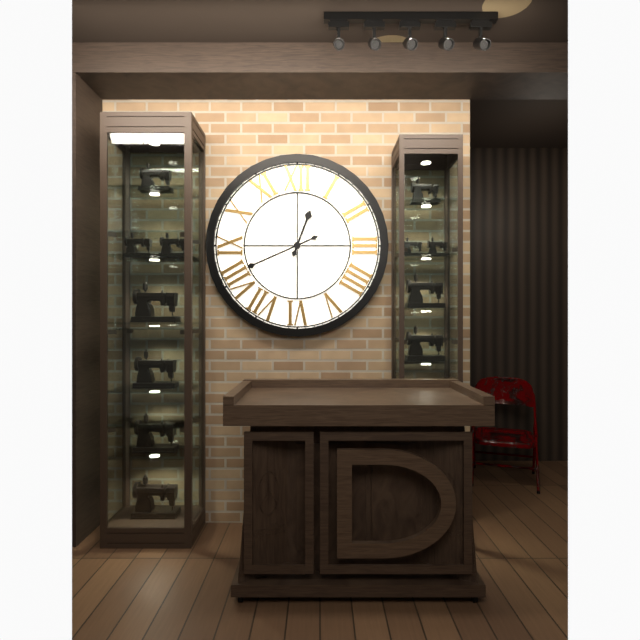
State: 12 h 41 min
